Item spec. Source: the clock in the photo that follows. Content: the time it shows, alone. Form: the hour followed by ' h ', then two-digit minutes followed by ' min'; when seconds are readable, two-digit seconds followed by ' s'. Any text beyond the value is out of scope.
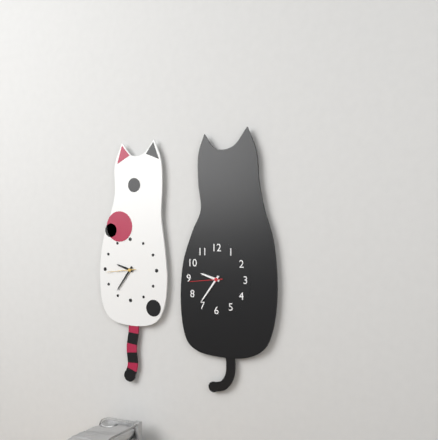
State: 9 h 36 min
